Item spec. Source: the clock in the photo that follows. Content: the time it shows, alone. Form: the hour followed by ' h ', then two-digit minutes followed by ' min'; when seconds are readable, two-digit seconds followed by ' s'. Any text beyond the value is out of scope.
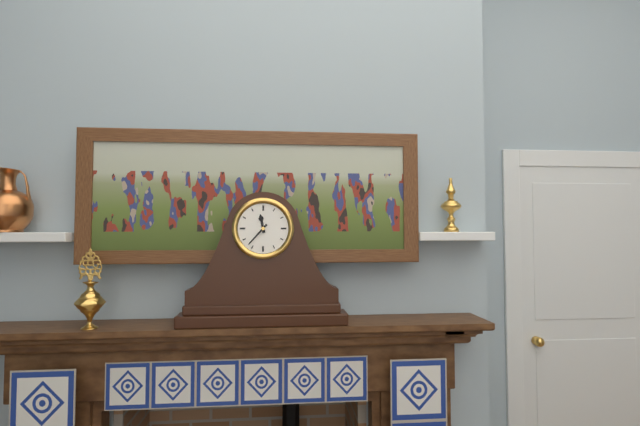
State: 11 h 37 min
